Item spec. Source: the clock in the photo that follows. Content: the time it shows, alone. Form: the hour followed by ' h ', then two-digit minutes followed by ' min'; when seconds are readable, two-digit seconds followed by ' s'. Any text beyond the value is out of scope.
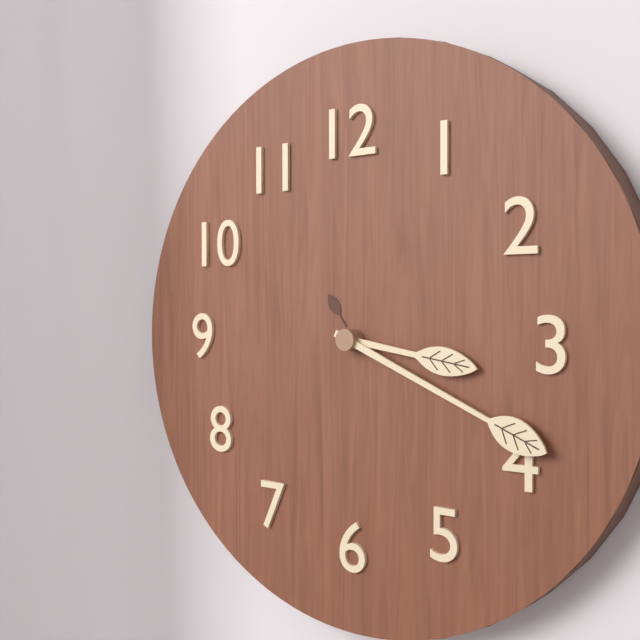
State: 3 h 19 min
